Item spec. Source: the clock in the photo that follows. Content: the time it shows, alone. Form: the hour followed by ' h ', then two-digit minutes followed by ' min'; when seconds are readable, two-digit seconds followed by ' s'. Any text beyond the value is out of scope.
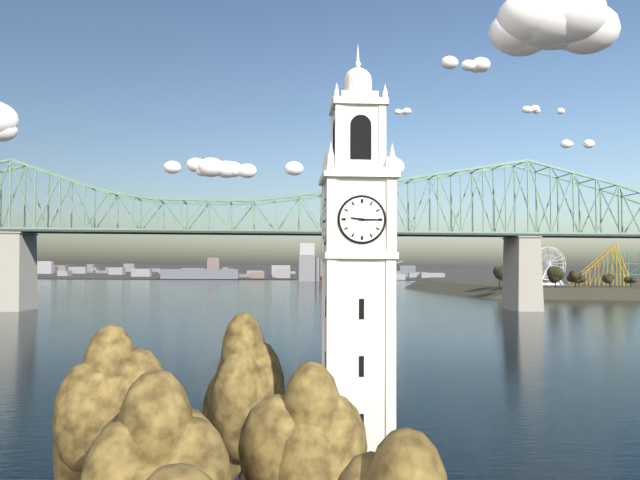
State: 9 h 15 min
